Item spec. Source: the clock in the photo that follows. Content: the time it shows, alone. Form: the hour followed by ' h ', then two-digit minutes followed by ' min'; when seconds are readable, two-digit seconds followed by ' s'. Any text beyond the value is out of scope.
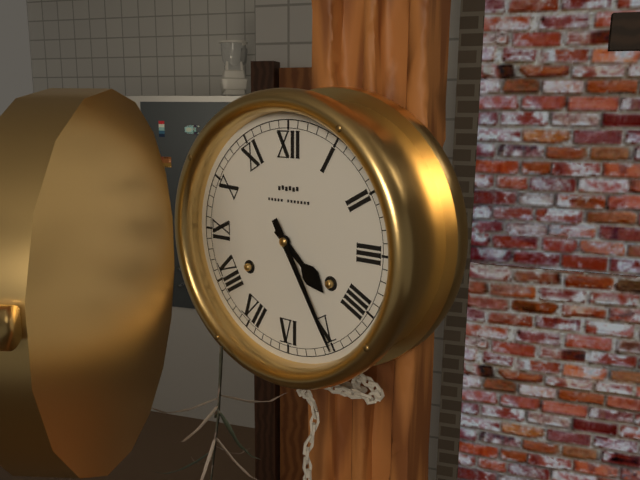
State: 4 h 25 min
